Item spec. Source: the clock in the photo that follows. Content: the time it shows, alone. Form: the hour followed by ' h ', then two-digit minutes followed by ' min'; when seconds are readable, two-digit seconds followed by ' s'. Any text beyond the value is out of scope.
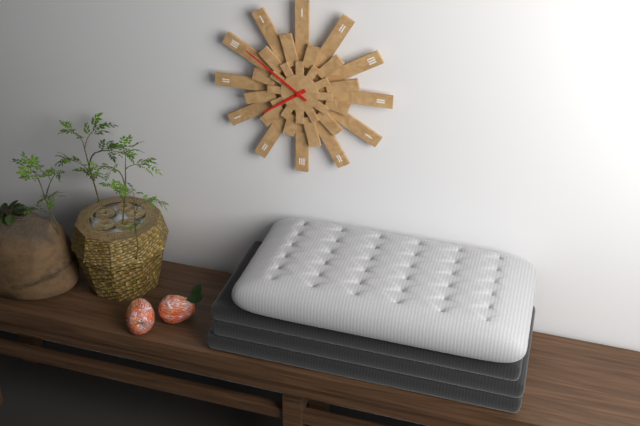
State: 7 h 51 min
